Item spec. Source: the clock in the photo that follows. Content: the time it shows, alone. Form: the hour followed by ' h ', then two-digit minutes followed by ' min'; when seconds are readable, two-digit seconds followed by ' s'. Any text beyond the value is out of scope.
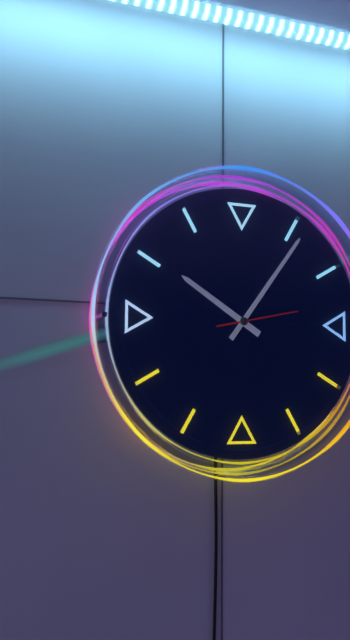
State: 10 h 06 min 13 s
